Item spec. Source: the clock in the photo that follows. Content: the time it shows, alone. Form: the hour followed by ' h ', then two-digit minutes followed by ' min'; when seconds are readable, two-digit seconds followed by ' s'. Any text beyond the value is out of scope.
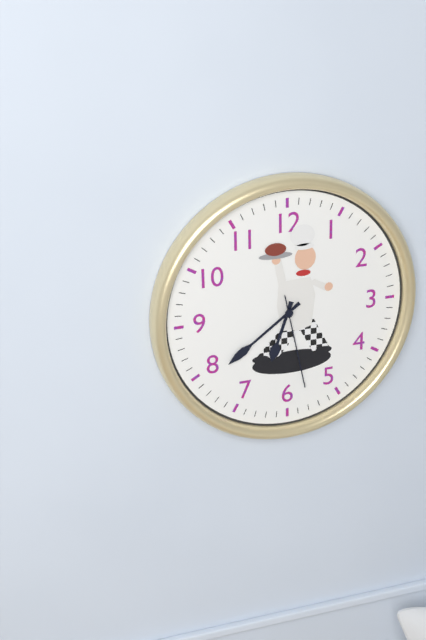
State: 6 h 39 min 28 s
